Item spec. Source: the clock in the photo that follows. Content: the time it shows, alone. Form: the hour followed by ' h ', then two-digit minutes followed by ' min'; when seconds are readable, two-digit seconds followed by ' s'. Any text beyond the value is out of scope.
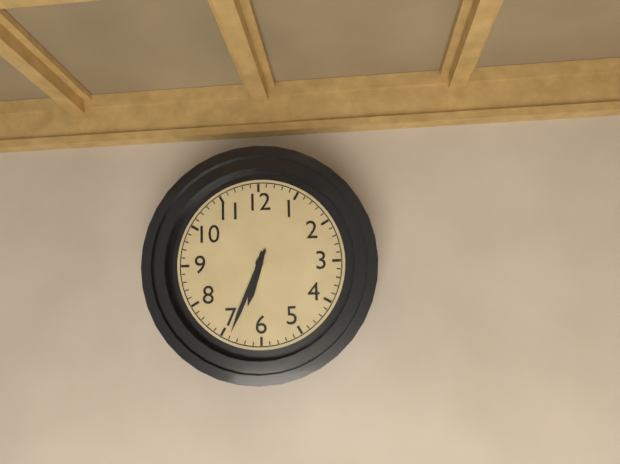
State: 6 h 34 min
